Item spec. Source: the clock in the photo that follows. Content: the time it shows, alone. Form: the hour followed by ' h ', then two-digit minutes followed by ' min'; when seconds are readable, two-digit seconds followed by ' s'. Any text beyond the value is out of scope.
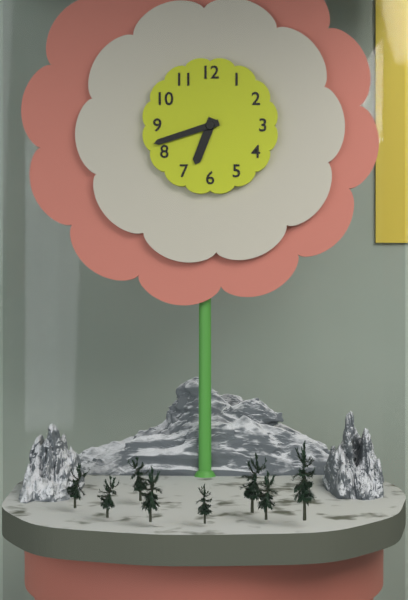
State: 6 h 42 min
